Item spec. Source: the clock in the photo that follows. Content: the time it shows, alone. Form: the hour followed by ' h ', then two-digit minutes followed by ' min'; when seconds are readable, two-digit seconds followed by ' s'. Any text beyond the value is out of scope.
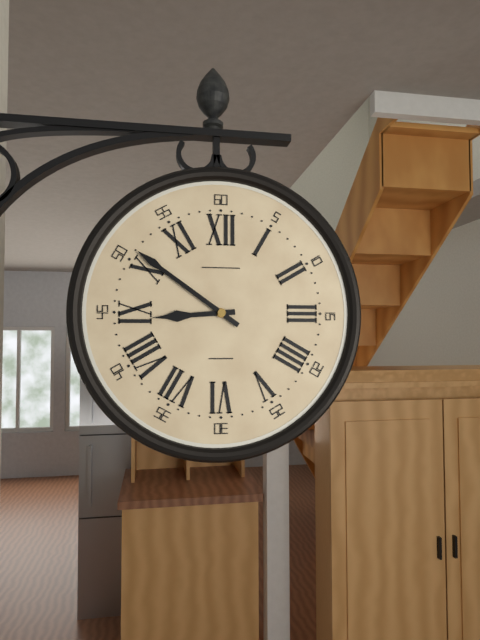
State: 8 h 51 min
